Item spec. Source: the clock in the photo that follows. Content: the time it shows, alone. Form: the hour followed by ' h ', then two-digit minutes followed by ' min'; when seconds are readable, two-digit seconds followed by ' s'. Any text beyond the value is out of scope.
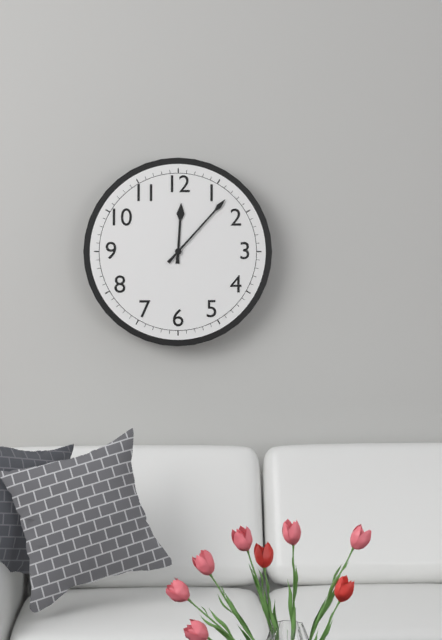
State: 12 h 07 min
